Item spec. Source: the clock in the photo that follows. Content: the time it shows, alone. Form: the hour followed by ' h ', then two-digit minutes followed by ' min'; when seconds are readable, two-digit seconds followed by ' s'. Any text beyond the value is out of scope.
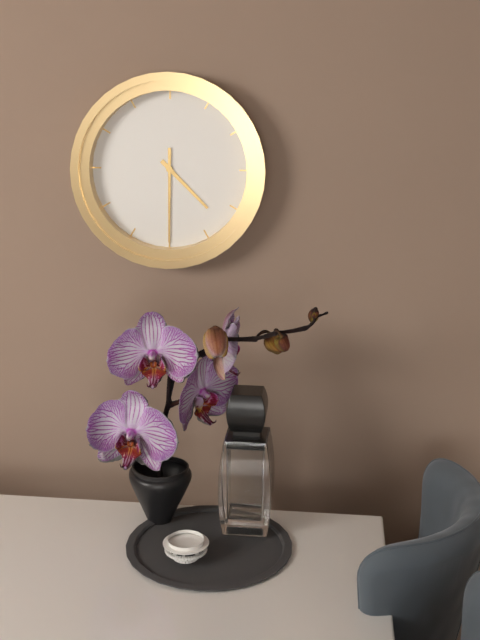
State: 4 h 30 min
